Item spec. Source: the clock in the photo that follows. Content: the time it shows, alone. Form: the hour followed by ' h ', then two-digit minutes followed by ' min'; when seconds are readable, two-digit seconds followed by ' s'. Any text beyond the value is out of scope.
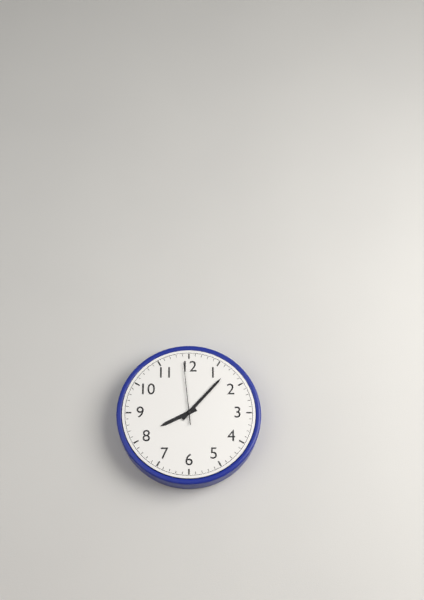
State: 8 h 07 min 59 s
